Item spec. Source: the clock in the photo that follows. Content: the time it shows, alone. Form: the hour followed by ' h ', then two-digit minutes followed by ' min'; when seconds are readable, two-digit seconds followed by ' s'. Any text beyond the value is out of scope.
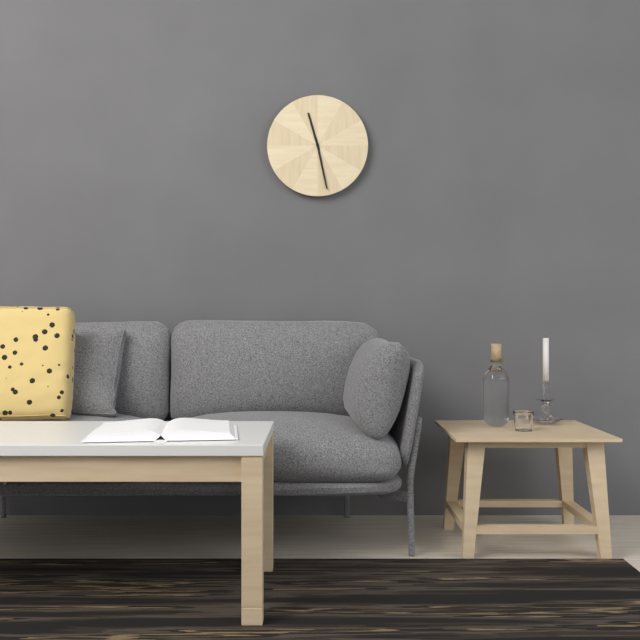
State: 11 h 28 min
